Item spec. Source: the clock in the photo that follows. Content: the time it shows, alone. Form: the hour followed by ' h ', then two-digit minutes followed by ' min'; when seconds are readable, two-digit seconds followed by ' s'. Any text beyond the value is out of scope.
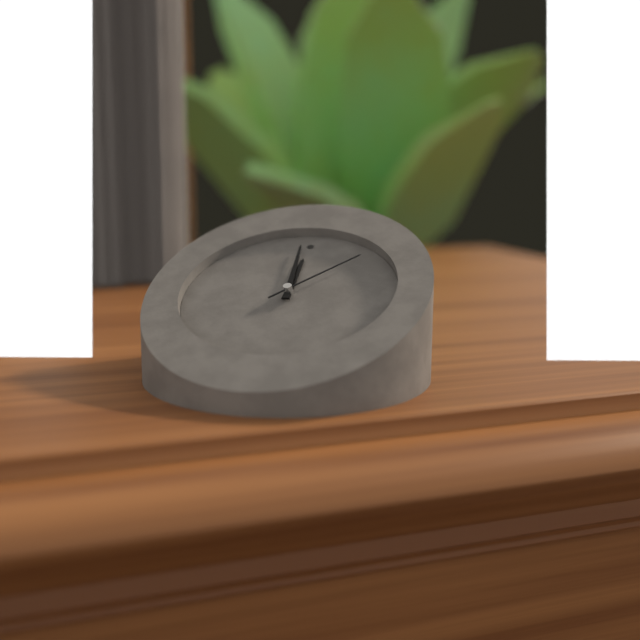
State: 11 h 59 min 07 s
